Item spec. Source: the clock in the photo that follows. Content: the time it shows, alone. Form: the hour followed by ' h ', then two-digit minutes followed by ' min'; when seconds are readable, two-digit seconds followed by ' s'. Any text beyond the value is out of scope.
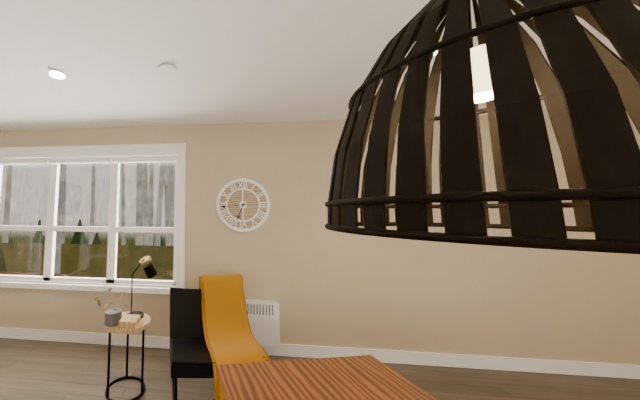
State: 6 h 44 min
